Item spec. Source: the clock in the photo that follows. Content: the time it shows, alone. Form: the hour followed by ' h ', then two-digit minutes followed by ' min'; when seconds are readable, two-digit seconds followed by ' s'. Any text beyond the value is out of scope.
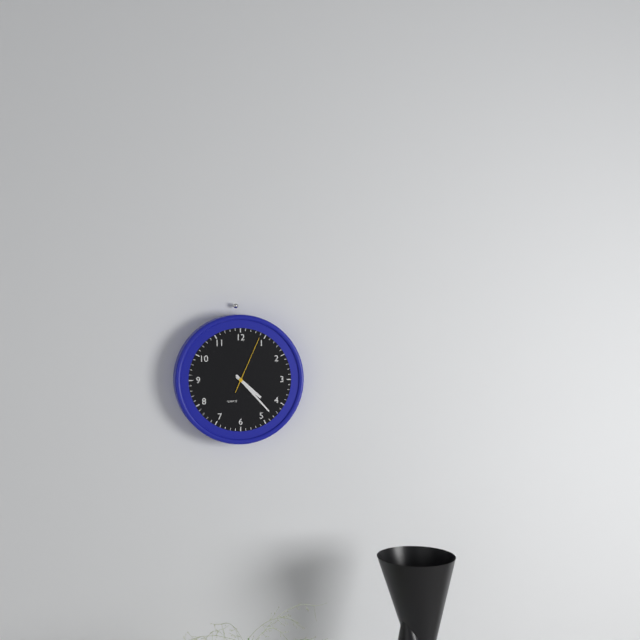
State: 4 h 23 min 04 s
